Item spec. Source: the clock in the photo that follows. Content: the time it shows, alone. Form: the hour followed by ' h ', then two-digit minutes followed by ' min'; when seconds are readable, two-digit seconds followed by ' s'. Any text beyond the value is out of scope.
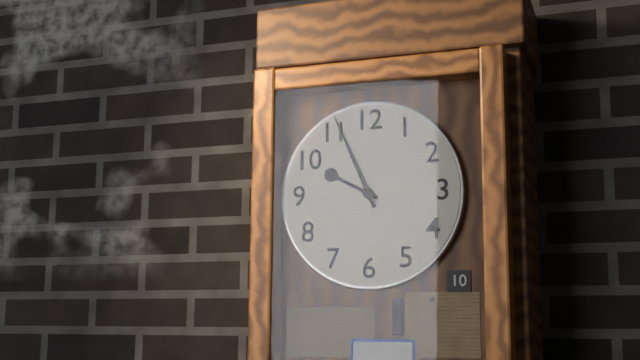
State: 9 h 56 min
